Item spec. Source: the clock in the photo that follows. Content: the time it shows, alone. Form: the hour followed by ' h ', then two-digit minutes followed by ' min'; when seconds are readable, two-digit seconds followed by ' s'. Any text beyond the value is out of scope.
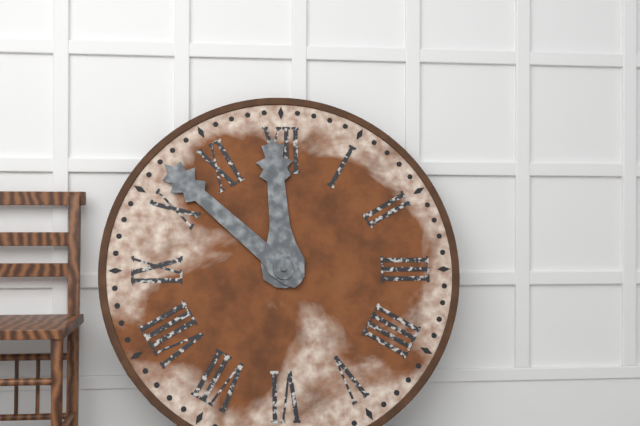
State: 11 h 52 min
